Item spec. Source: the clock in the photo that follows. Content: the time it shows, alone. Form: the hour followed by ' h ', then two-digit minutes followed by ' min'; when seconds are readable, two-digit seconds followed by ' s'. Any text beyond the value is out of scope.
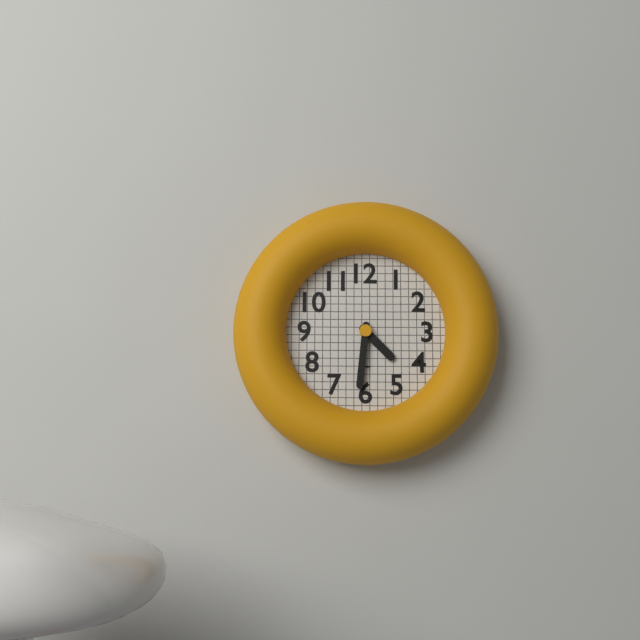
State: 4 h 31 min
